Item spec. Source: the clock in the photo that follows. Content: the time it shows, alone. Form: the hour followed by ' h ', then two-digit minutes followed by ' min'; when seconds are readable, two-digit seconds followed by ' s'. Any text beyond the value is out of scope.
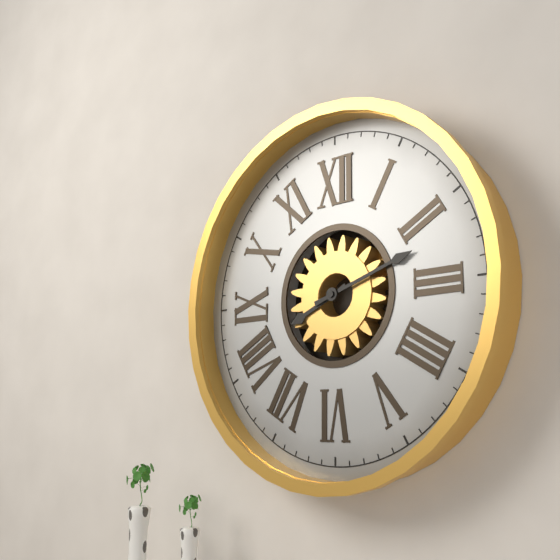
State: 8 h 12 min
